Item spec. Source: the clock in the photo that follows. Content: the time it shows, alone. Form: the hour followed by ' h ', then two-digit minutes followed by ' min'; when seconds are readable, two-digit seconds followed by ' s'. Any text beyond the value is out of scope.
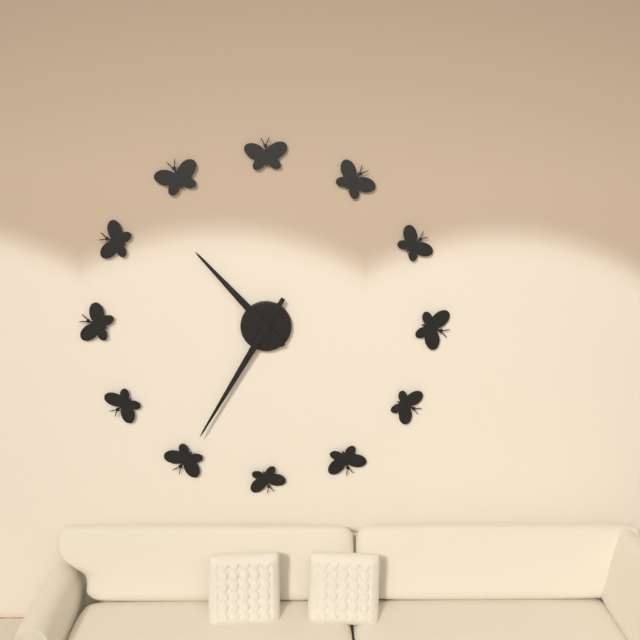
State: 10 h 35 min
